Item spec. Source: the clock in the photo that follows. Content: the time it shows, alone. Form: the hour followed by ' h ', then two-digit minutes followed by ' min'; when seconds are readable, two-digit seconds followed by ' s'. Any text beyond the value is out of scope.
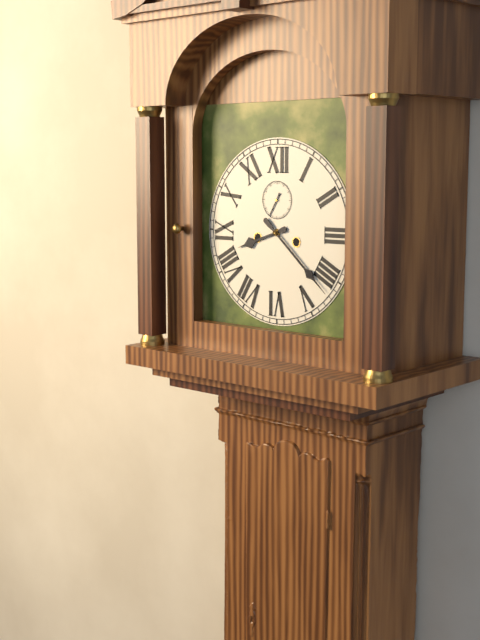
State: 8 h 22 min
